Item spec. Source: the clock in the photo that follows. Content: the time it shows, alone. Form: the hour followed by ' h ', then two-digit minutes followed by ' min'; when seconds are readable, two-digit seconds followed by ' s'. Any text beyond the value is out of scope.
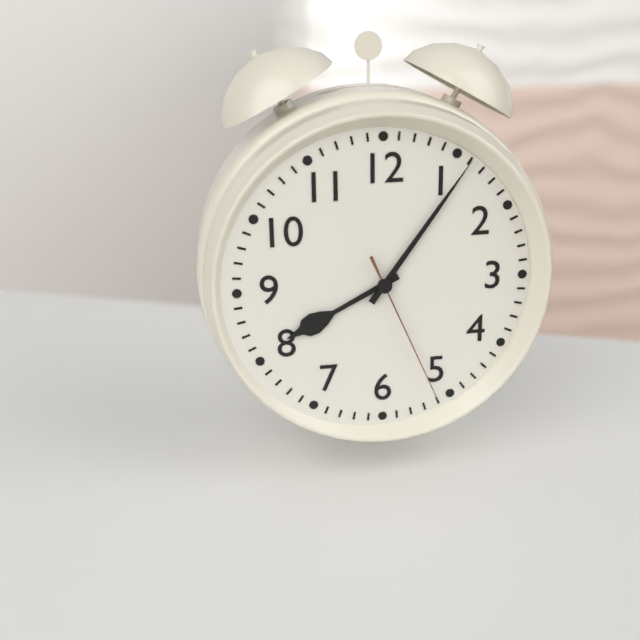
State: 8 h 06 min 26 s
